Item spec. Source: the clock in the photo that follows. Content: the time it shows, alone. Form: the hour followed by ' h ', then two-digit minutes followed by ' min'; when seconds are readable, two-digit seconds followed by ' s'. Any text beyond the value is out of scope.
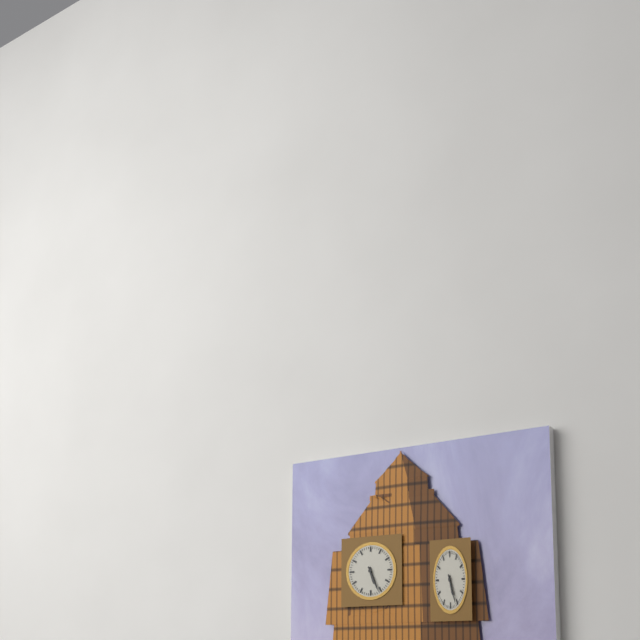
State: 5 h 26 min
